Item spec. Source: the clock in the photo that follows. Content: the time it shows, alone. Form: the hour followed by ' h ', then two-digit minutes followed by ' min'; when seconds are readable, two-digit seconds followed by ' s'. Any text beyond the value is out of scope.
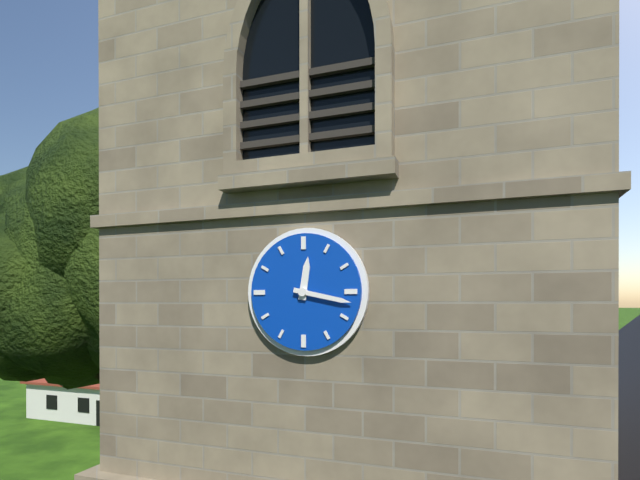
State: 12 h 17 min
